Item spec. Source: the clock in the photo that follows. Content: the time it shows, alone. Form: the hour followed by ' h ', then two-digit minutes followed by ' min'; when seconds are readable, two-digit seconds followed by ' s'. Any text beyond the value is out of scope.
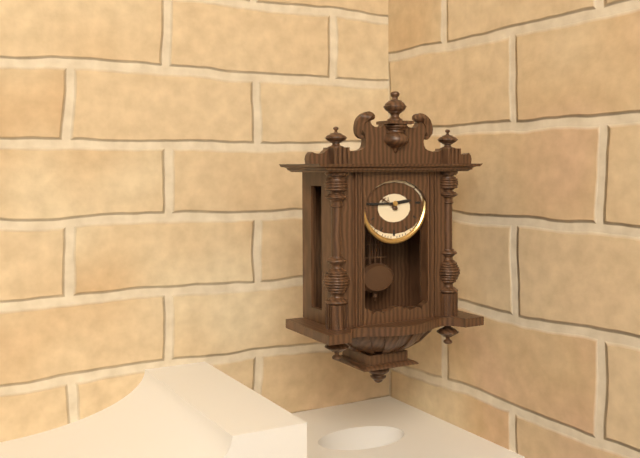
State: 2 h 45 min
